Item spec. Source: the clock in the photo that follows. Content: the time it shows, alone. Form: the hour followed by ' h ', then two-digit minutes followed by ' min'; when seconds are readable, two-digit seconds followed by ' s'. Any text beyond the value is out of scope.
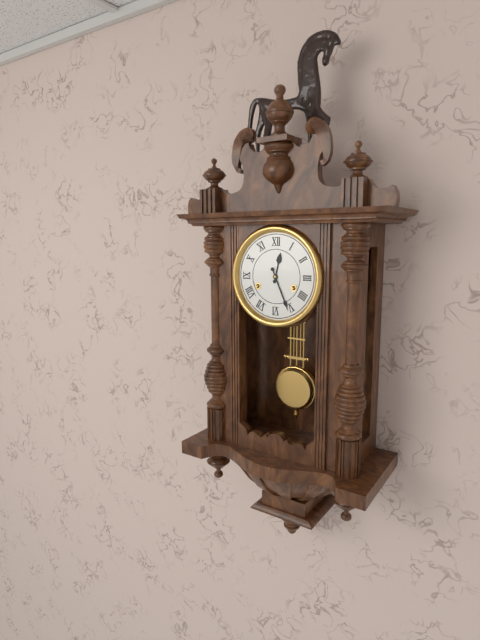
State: 12 h 26 min
